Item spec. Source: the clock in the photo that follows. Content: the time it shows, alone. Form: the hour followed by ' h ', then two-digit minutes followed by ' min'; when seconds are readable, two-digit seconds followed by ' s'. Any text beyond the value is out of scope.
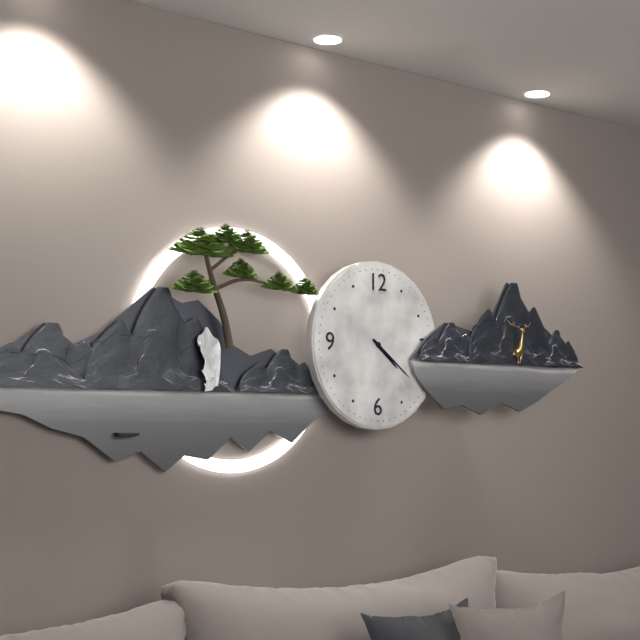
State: 4 h 21 min
